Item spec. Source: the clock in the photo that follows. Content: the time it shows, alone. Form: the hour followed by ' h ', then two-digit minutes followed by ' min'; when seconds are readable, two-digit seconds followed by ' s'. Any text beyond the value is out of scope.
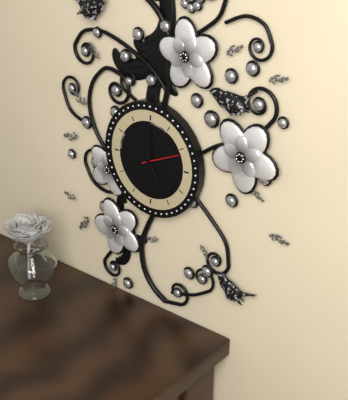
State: 5 h 00 min
